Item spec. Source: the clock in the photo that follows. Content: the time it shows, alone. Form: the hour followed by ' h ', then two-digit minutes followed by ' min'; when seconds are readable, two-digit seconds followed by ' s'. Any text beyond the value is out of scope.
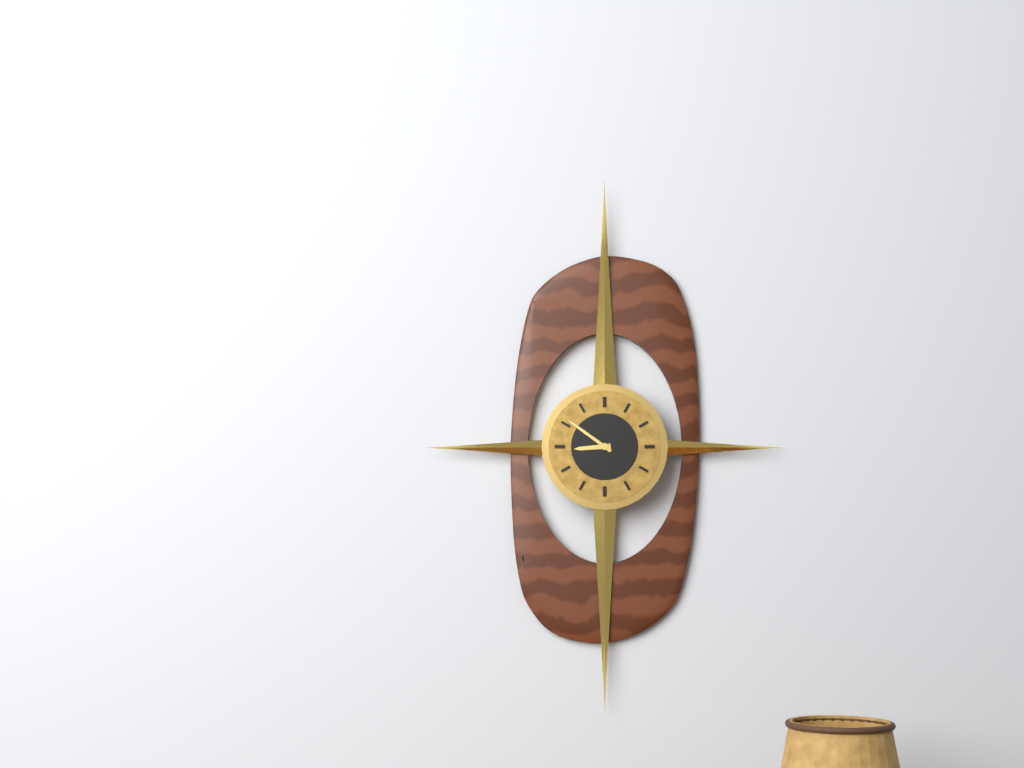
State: 8 h 51 min
